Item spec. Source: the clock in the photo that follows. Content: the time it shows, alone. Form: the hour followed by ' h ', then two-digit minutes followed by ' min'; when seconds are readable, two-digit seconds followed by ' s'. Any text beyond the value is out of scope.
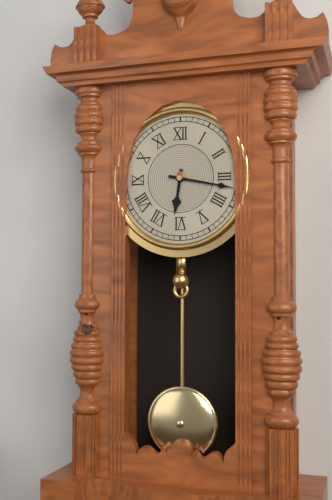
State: 6 h 17 min
